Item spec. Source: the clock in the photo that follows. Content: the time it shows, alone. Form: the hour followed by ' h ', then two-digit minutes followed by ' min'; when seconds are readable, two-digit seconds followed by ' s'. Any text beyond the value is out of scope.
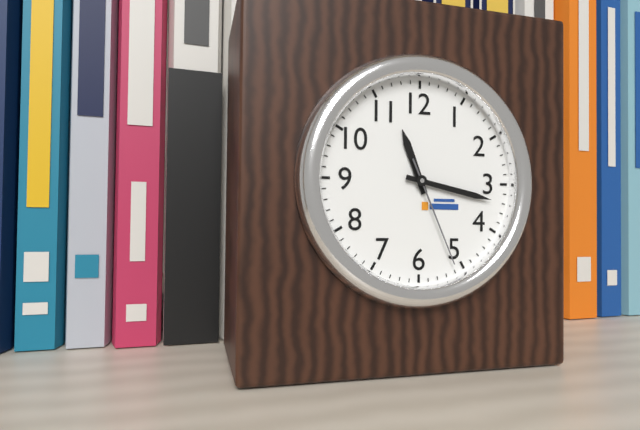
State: 11 h 17 min 26 s
